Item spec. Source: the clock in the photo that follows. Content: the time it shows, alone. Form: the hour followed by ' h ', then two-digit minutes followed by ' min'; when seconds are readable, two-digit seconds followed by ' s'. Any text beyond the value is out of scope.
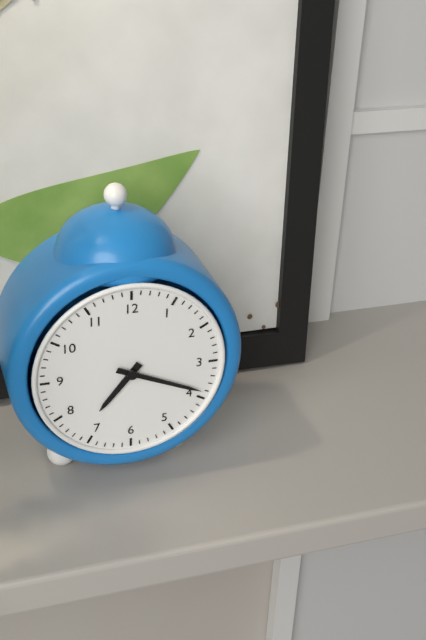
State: 7 h 19 min
